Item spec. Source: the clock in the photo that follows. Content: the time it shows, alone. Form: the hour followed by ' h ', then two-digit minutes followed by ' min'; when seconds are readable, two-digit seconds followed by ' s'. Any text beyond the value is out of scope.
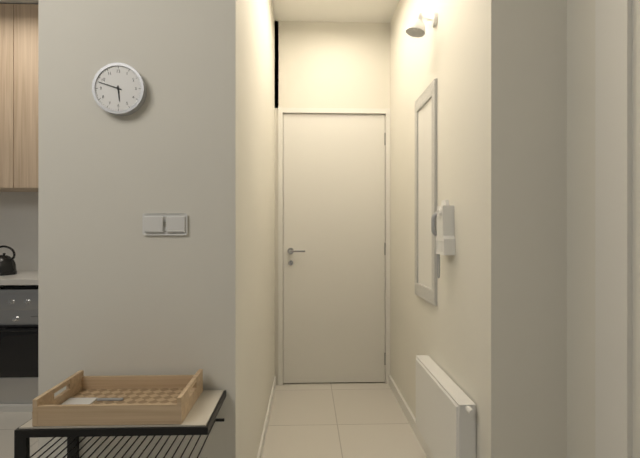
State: 5 h 48 min
